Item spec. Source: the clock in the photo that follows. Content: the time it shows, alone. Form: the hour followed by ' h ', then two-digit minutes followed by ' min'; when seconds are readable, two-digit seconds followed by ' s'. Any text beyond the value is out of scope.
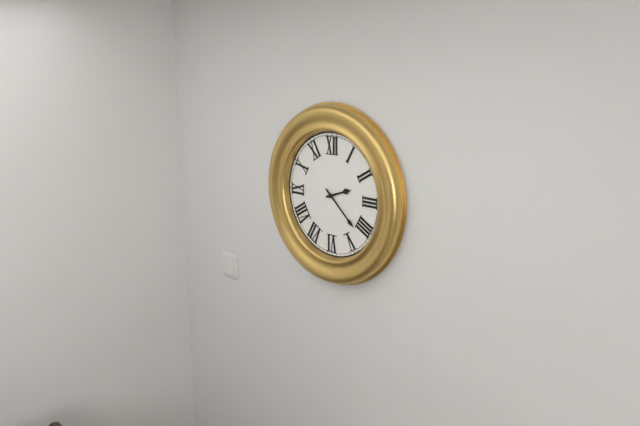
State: 2 h 22 min
